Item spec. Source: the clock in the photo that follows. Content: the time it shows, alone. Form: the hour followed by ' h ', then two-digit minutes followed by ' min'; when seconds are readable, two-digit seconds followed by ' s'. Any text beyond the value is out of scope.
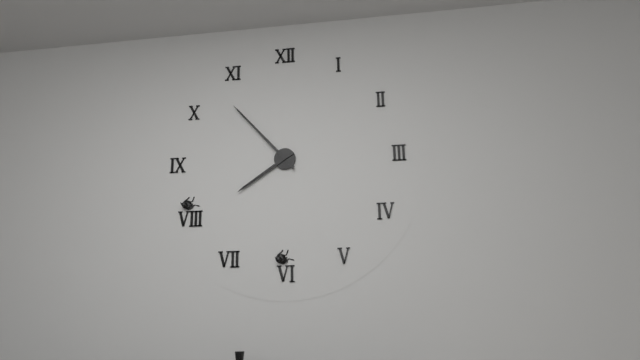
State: 7 h 53 min
